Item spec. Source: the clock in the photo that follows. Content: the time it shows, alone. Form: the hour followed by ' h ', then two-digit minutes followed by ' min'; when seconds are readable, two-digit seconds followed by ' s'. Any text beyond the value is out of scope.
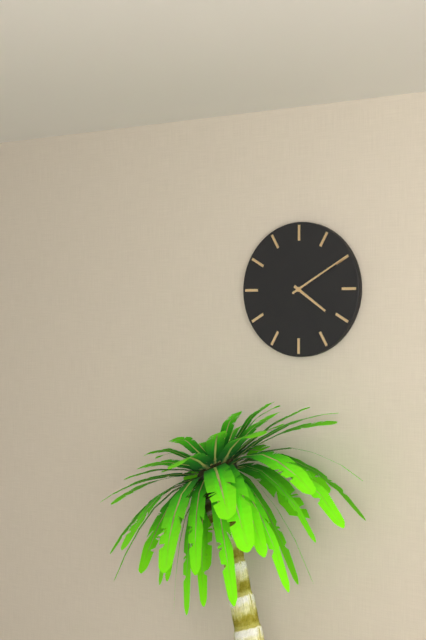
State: 4 h 10 min
